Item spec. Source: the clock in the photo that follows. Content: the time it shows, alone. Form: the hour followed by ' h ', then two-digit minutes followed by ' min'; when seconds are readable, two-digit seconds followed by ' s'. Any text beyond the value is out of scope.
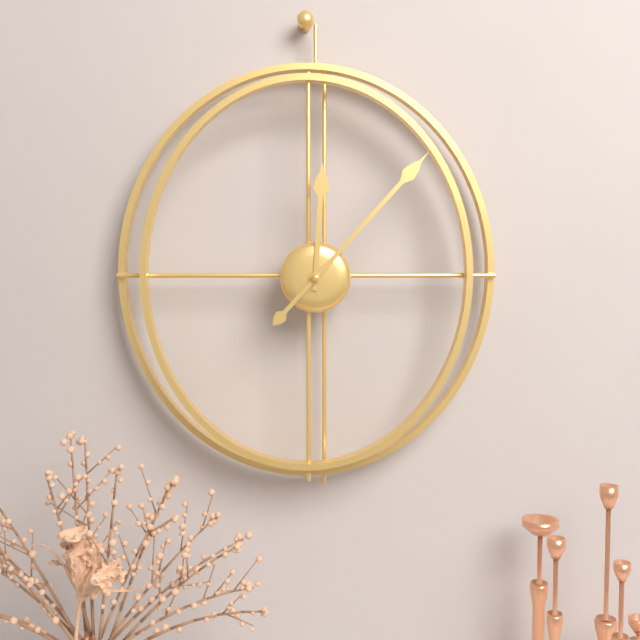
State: 12 h 07 min
